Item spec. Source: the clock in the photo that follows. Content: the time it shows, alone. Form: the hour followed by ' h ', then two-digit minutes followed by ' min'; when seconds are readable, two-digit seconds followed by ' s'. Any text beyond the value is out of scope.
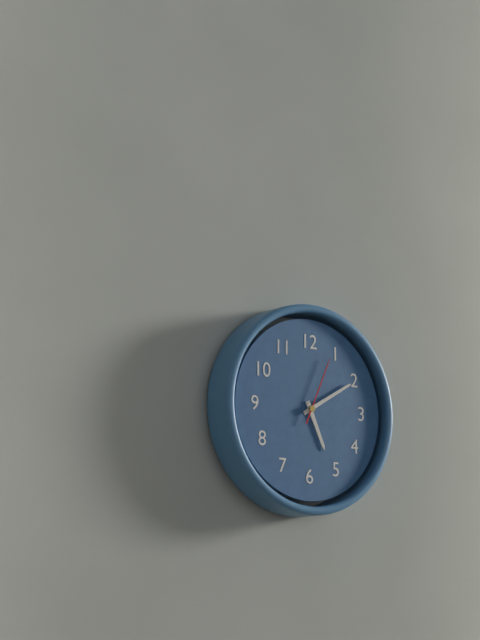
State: 5 h 10 min 04 s
